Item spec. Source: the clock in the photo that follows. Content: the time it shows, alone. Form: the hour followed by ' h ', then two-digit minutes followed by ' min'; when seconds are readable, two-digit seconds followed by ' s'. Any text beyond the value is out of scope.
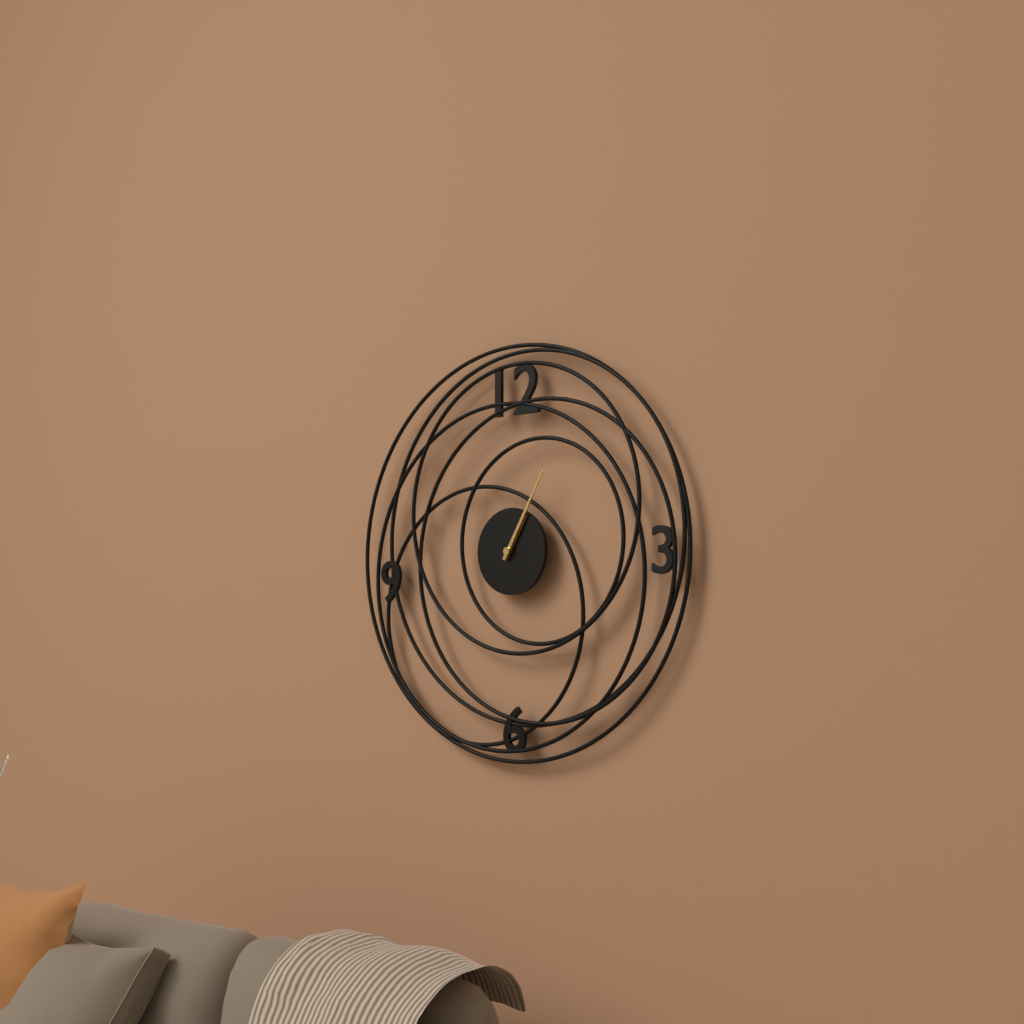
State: 1 h 05 min
